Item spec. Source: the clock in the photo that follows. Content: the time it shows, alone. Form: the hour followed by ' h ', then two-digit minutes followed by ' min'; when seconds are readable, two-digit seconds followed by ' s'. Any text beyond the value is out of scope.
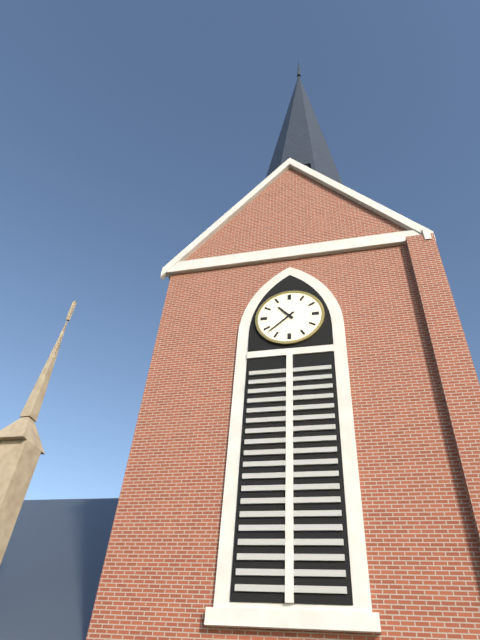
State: 10 h 38 min
